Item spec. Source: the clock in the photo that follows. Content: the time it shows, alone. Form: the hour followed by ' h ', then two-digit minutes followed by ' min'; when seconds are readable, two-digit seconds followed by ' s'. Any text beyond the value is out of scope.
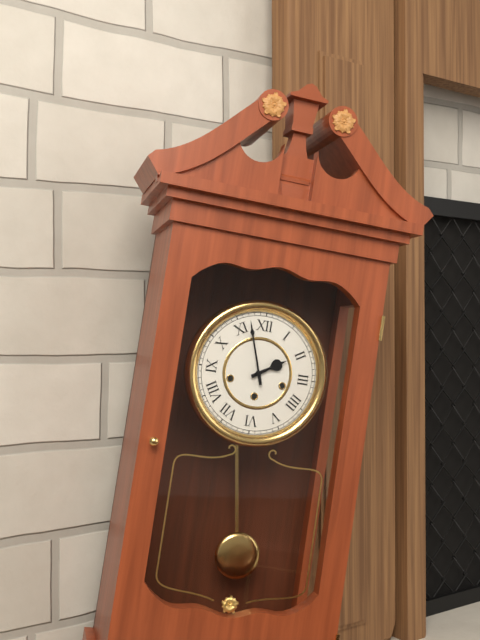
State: 1 h 57 min
